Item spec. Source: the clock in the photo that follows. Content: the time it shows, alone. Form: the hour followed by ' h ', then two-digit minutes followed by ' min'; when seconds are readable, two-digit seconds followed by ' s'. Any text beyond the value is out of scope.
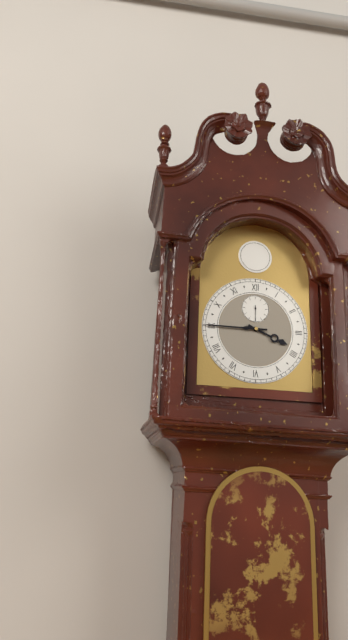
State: 3 h 45 min
